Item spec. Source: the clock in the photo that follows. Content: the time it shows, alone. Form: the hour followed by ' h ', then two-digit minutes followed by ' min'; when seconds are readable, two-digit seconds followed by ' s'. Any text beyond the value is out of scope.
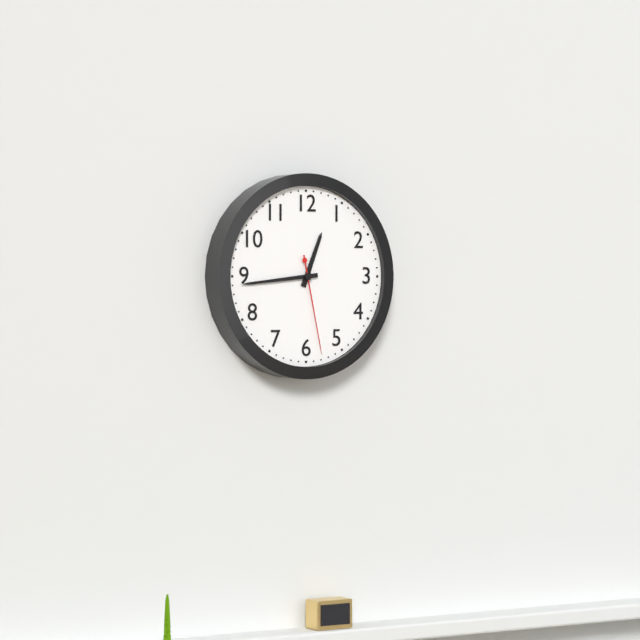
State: 12 h 44 min 28 s
